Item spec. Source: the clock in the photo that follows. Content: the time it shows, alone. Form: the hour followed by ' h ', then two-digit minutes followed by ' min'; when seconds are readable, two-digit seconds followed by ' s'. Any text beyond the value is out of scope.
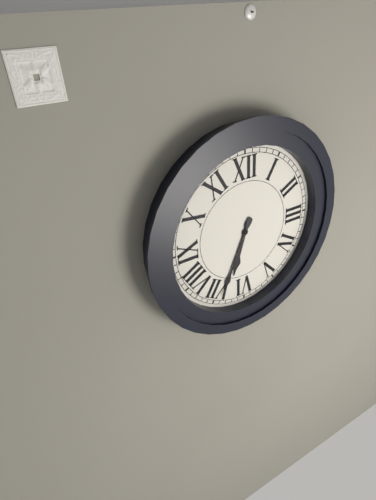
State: 6 h 34 min
